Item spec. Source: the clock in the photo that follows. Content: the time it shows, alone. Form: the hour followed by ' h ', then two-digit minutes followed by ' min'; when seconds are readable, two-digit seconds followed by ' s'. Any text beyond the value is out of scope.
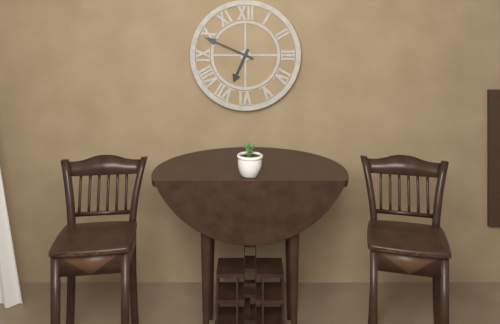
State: 6 h 49 min
